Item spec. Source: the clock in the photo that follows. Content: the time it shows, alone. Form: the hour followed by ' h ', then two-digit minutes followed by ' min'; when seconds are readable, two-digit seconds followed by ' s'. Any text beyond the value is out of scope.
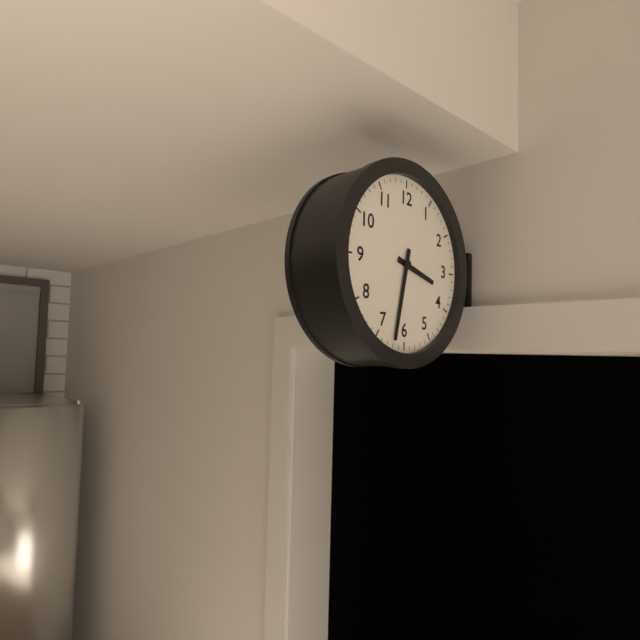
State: 3 h 32 min
